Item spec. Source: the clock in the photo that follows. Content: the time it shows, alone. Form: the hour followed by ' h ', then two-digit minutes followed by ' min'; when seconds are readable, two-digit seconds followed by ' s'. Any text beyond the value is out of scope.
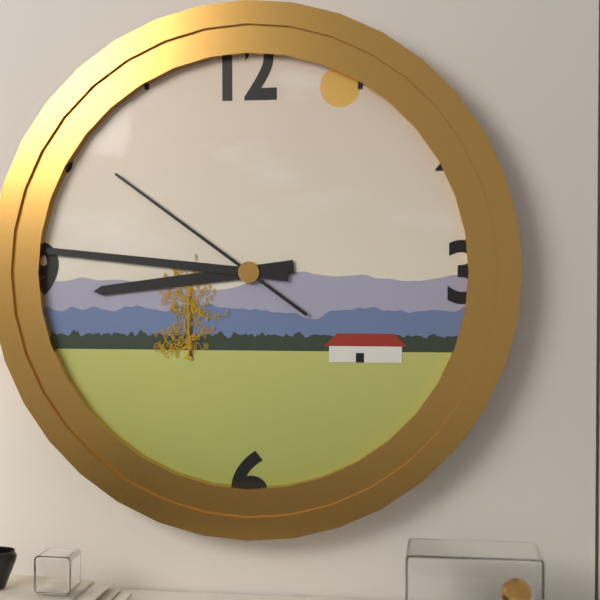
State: 8 h 46 min 51 s
